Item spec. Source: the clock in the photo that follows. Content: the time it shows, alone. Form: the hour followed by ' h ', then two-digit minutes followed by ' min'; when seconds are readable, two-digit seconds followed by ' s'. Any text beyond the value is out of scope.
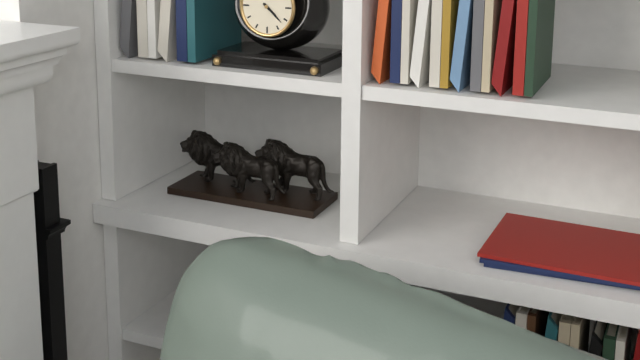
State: 4 h 22 min
